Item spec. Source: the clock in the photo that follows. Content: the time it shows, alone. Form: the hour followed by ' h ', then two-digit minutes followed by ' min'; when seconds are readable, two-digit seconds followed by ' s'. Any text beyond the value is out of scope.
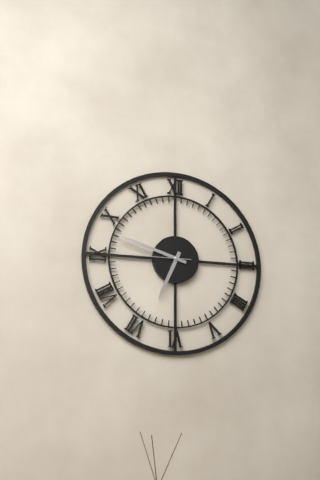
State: 6 h 48 min 45 s
